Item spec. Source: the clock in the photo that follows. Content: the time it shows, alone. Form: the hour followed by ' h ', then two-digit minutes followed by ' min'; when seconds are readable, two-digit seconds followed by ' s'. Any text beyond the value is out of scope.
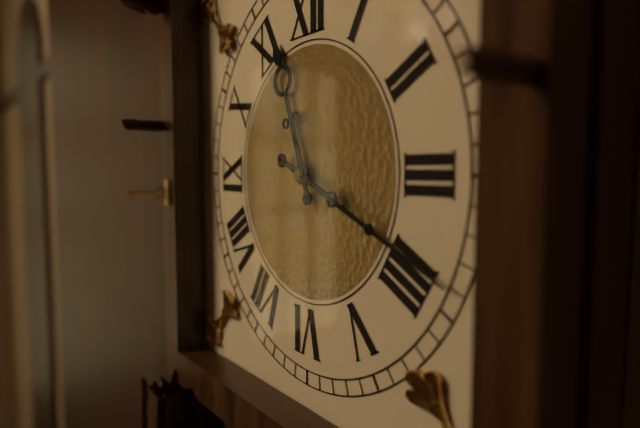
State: 11 h 19 min
